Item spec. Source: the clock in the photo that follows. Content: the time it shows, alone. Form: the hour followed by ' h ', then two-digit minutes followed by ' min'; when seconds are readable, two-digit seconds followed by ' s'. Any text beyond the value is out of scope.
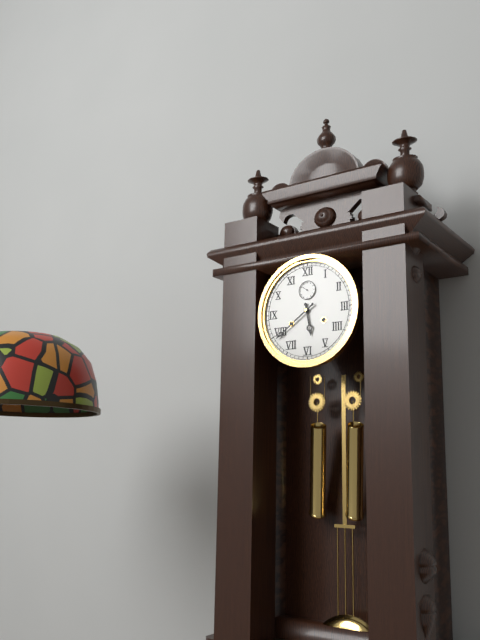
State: 5 h 39 min
